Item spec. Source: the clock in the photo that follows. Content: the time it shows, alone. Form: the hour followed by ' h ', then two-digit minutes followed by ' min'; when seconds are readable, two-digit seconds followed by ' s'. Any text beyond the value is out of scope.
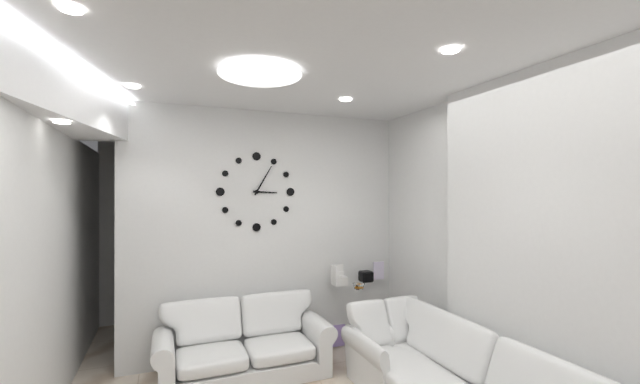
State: 3 h 05 min
